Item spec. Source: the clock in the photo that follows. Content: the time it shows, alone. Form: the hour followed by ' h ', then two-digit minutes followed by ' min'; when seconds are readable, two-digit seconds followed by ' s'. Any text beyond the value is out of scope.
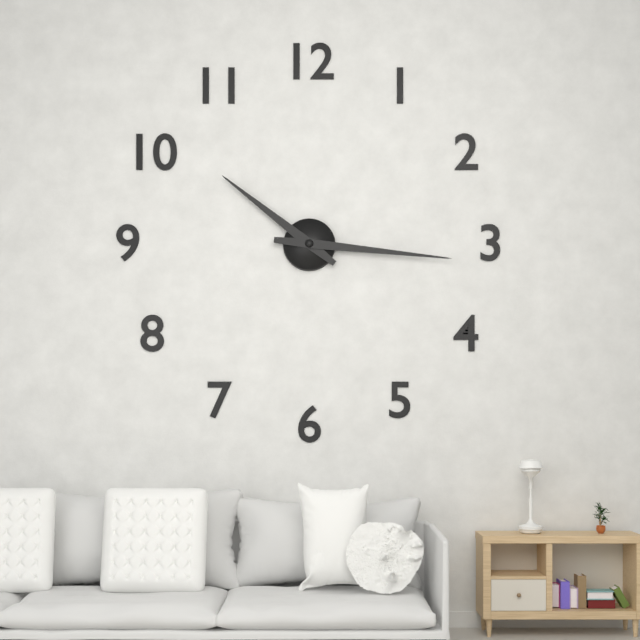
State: 10 h 16 min
